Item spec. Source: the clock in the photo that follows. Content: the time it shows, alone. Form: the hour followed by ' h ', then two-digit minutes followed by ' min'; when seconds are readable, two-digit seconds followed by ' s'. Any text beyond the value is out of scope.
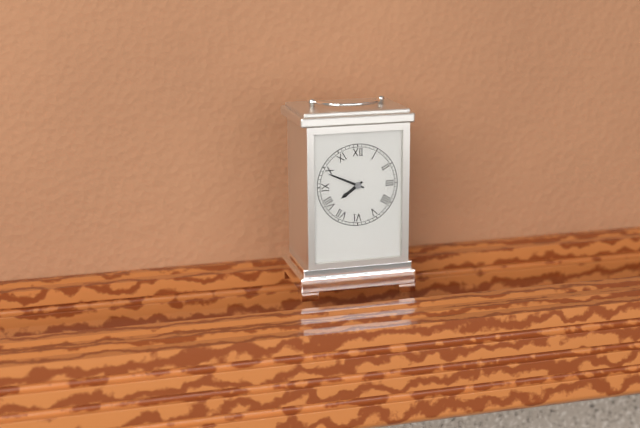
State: 7 h 49 min
